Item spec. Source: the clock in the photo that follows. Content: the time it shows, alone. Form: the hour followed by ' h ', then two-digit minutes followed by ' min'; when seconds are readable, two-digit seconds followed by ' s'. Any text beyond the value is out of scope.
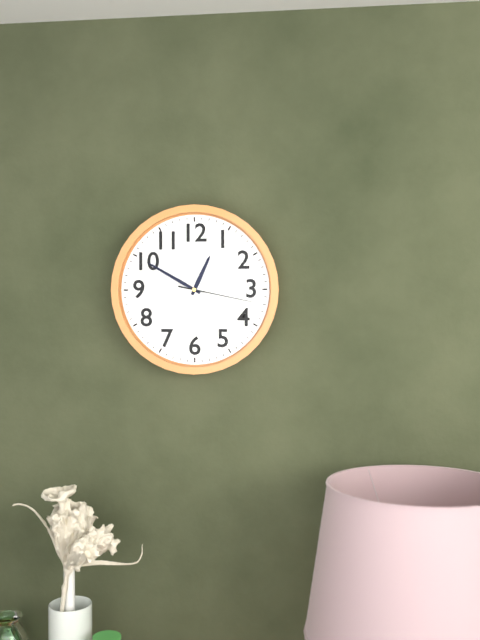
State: 12 h 50 min 17 s
